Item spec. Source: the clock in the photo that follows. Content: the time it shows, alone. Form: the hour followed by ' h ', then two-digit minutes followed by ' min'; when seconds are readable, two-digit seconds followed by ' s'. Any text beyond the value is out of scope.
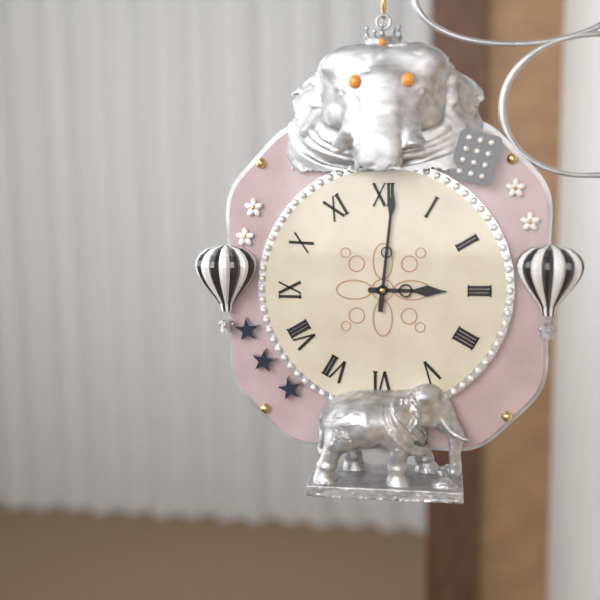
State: 3 h 01 min
